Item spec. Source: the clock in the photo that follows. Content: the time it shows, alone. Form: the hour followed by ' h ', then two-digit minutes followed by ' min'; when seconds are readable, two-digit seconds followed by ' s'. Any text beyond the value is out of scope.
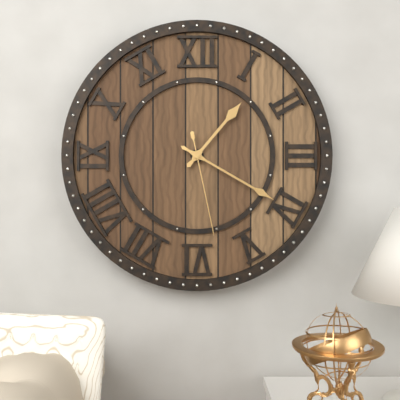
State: 1 h 20 min 28 s
